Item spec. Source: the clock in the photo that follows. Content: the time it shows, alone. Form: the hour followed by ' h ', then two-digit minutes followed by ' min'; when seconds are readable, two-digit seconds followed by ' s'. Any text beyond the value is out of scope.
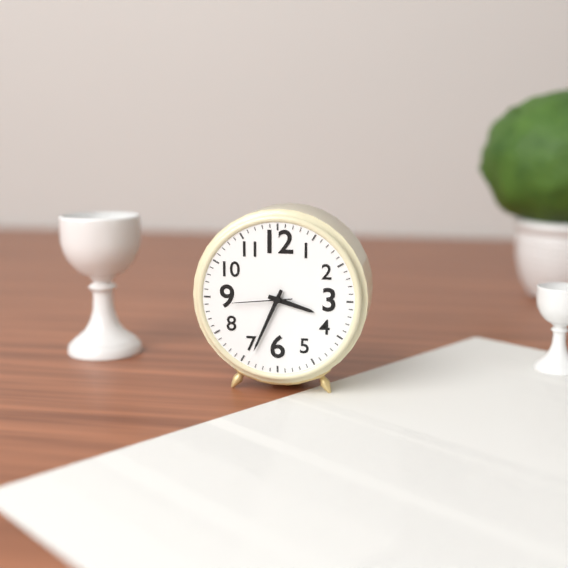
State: 3 h 34 min 44 s
